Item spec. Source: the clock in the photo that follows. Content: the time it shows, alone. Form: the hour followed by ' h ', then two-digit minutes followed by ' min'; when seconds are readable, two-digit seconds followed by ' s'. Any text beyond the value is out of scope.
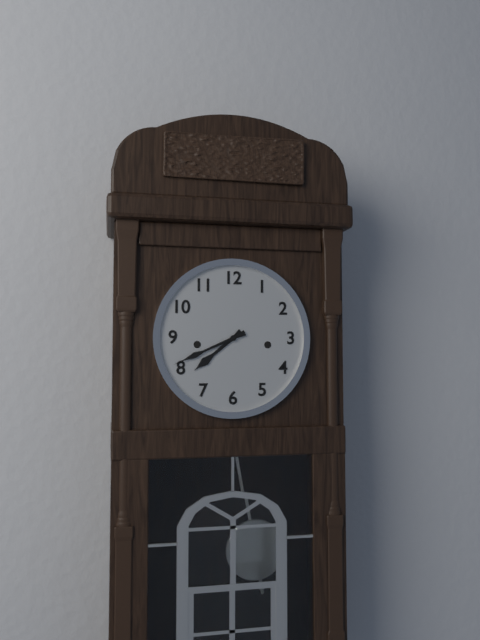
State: 7 h 41 min
